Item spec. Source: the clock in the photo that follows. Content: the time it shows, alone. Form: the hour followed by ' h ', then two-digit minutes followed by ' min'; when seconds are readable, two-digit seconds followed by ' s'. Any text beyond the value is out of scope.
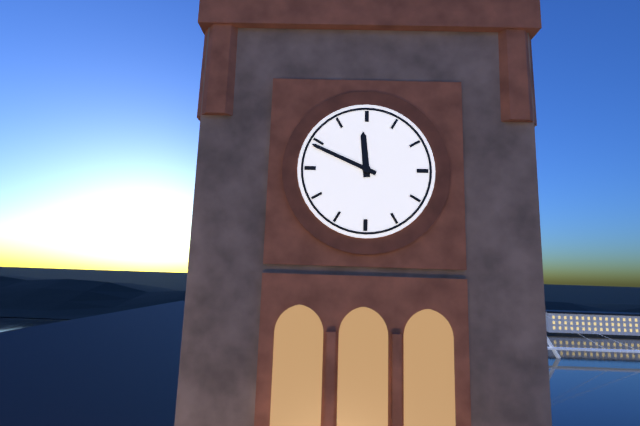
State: 11 h 49 min
